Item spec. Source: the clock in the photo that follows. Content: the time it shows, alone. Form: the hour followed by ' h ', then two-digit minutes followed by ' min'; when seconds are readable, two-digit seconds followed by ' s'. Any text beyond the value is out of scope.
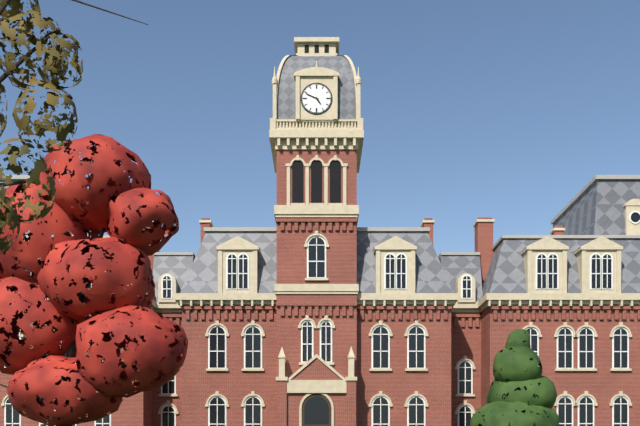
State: 4 h 49 min
